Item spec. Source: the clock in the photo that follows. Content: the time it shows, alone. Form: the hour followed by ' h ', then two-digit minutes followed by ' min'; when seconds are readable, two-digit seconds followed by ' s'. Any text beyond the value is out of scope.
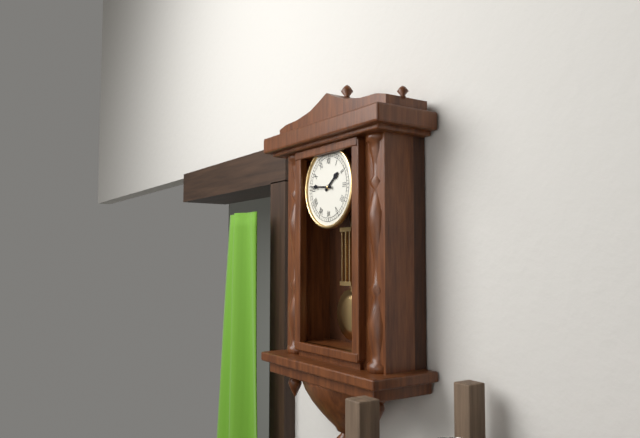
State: 1 h 46 min
